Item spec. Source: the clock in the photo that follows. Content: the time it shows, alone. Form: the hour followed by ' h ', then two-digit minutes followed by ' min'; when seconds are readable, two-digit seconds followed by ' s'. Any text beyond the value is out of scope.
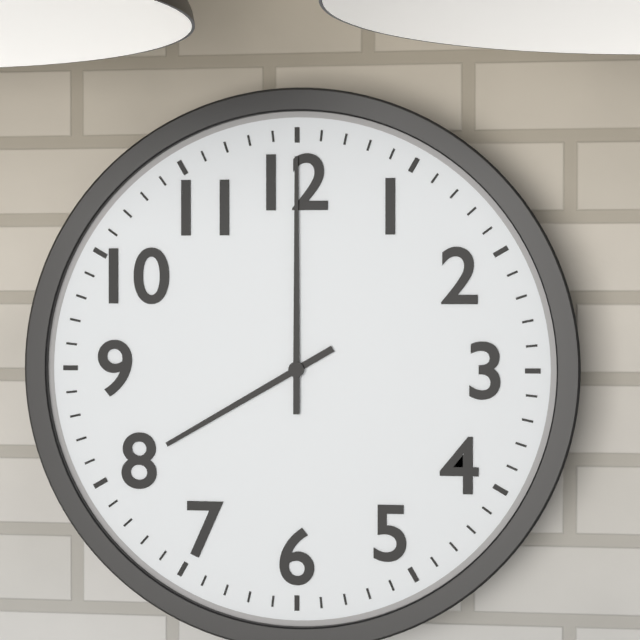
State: 8 h 00 min
